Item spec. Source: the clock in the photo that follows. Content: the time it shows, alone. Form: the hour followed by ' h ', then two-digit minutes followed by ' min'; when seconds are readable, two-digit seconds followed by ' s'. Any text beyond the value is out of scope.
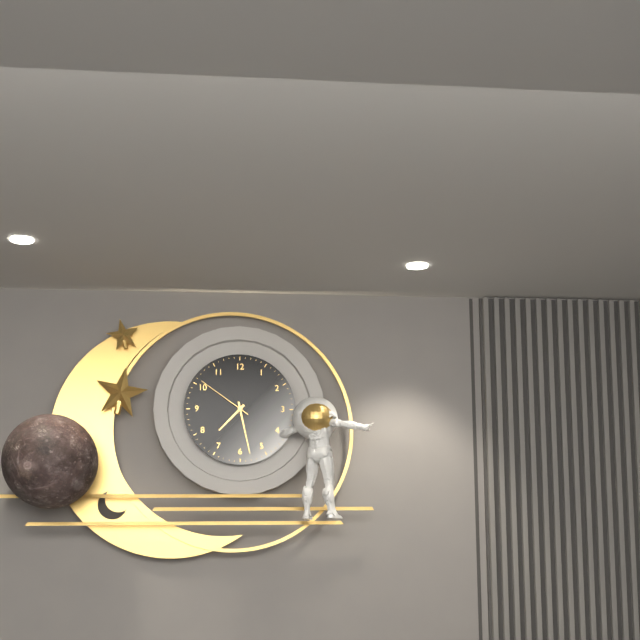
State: 7 h 28 min 51 s
